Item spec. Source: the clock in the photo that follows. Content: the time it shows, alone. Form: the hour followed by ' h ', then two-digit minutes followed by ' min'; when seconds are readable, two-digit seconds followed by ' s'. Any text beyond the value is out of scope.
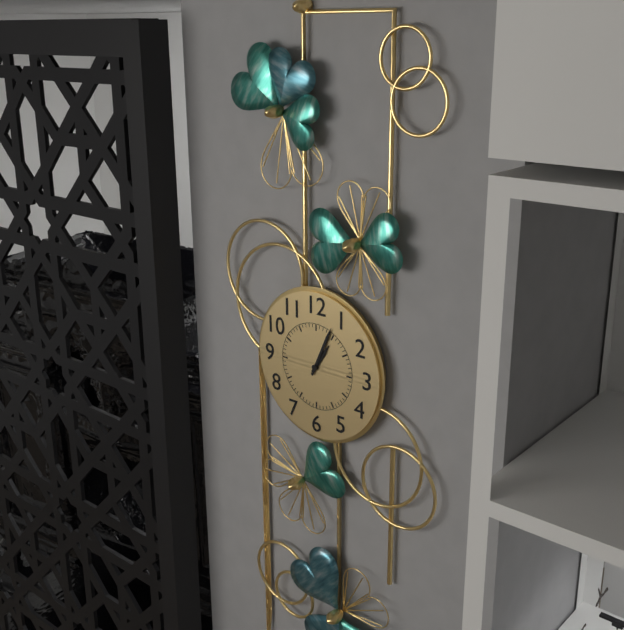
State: 1 h 04 min
